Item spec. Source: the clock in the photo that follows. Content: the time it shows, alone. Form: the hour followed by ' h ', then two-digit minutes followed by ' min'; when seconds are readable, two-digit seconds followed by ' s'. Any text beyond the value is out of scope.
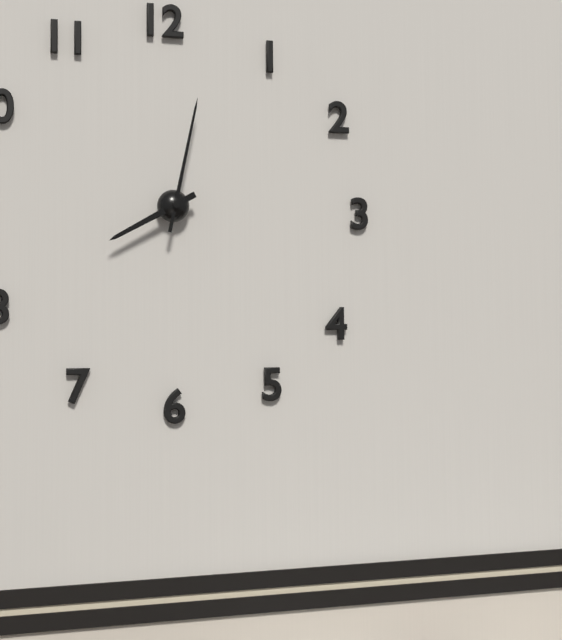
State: 8 h 02 min
